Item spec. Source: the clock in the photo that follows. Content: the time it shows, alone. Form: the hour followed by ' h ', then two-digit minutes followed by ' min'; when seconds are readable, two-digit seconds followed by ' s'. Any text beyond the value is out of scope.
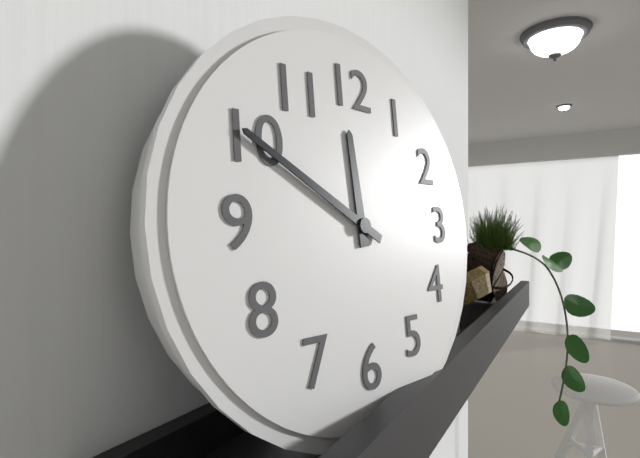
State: 11 h 50 min
